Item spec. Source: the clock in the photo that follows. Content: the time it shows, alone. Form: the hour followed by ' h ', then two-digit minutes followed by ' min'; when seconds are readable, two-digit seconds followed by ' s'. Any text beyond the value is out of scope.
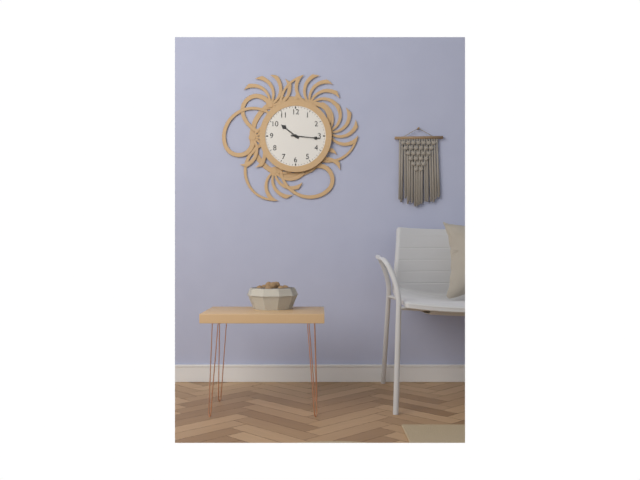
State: 10 h 16 min
